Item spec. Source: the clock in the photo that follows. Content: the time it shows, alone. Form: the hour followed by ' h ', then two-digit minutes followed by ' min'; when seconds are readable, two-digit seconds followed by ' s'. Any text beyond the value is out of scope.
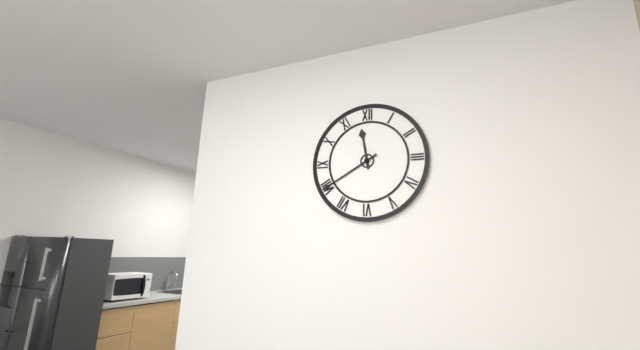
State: 11 h 40 min
